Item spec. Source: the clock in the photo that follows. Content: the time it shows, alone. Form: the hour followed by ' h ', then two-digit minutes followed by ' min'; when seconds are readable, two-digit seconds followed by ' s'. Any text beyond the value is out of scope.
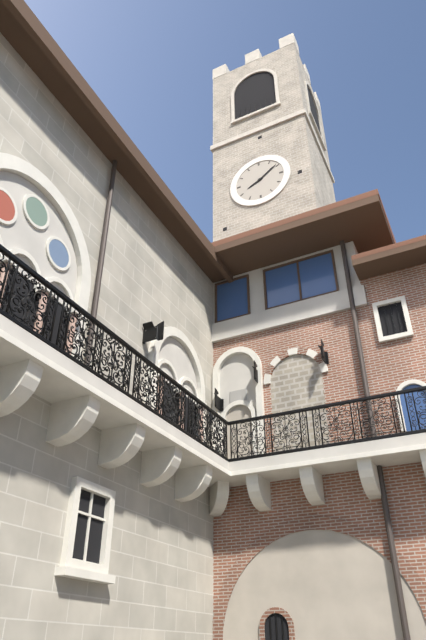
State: 8 h 09 min
